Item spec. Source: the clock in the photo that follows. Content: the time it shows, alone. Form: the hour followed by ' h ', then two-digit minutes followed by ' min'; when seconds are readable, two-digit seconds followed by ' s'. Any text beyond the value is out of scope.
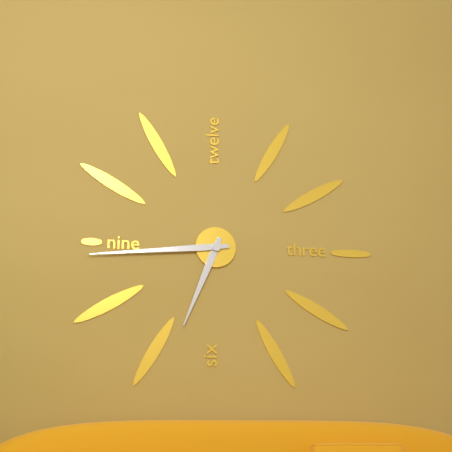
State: 6 h 44 min
